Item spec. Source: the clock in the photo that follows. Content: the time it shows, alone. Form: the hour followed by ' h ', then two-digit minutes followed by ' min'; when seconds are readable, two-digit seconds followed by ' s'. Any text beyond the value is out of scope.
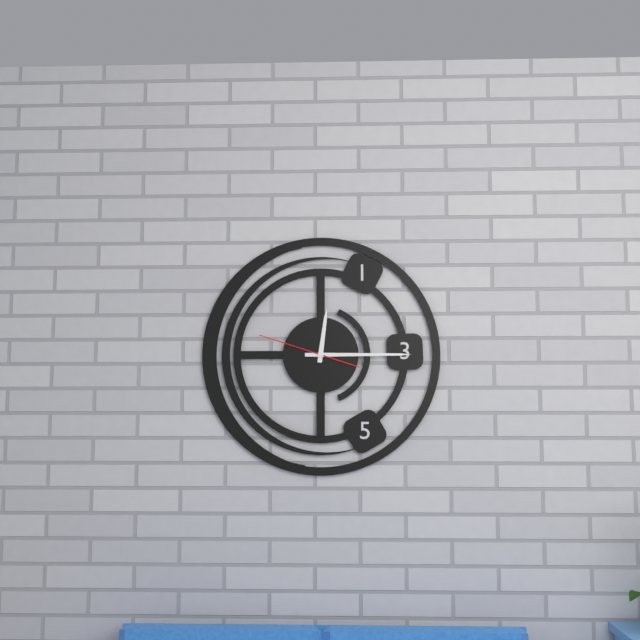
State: 12 h 15 min 48 s
